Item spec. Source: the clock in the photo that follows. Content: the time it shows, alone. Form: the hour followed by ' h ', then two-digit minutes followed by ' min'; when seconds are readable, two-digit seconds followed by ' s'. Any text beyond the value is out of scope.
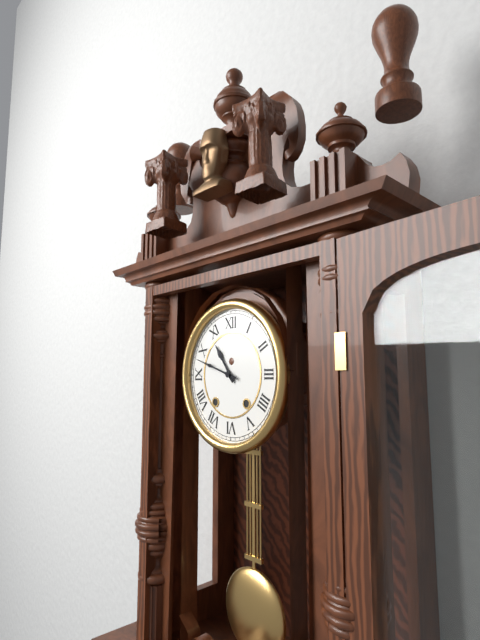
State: 10 h 48 min
